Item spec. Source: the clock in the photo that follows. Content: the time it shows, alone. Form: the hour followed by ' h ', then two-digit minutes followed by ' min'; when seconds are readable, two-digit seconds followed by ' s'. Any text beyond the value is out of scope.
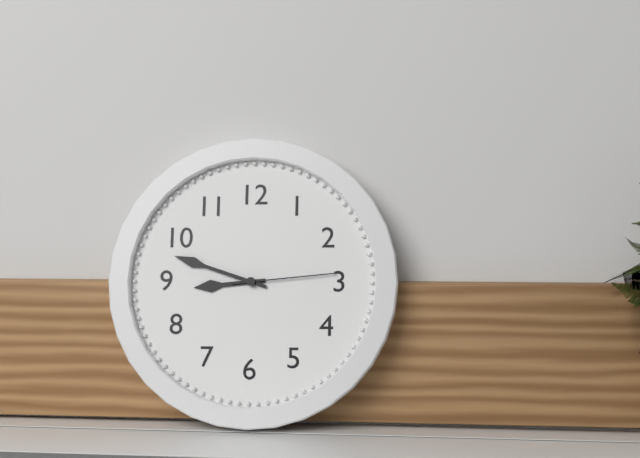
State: 8 h 48 min 14 s
